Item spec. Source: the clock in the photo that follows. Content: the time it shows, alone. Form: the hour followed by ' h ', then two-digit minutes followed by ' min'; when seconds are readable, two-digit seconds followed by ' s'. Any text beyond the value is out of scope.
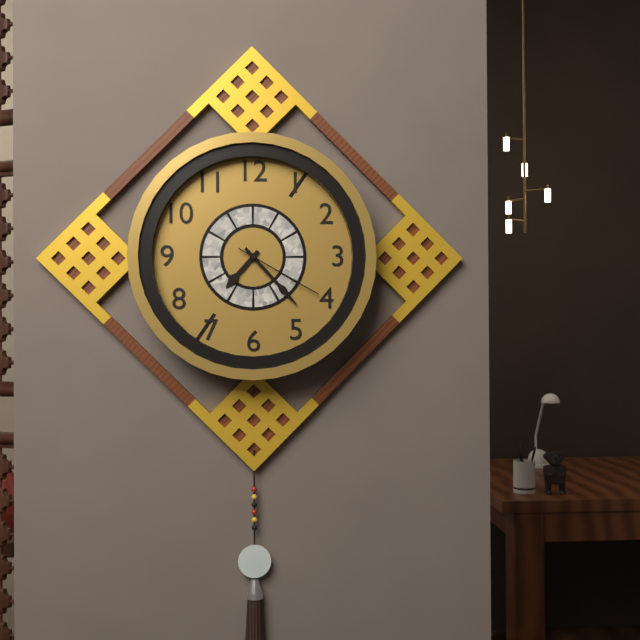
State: 7 h 23 min 20 s
